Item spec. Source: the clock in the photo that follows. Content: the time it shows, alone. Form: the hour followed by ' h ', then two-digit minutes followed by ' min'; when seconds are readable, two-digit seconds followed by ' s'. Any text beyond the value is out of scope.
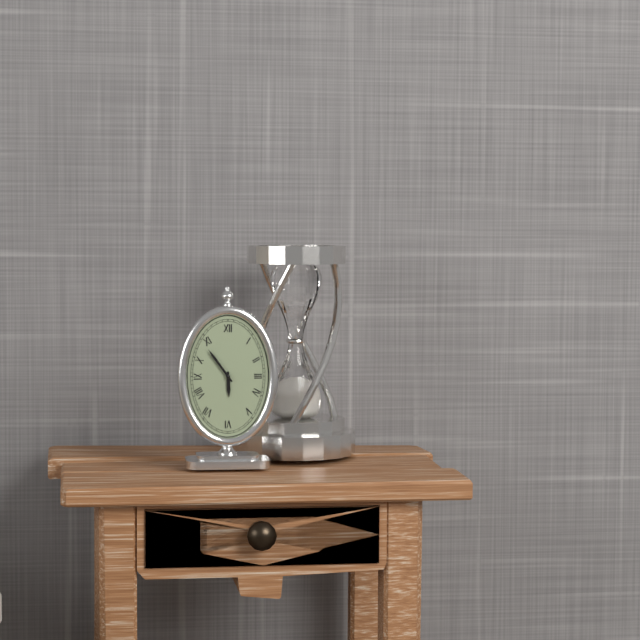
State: 5 h 54 min
